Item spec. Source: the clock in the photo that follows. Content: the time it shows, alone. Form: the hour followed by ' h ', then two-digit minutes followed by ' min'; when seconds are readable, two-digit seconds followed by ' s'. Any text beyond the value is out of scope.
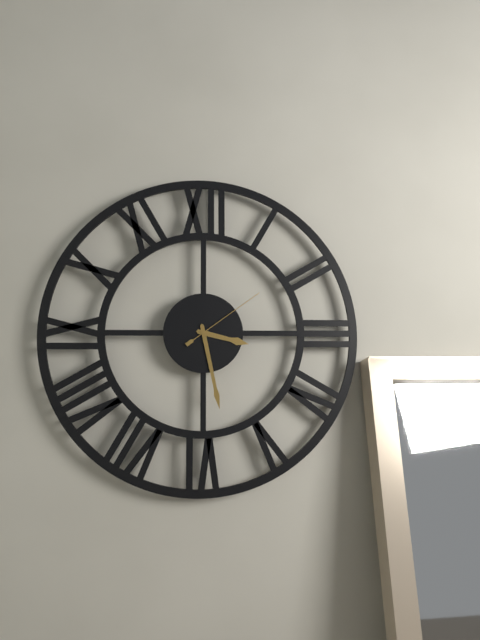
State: 3 h 28 min 09 s
